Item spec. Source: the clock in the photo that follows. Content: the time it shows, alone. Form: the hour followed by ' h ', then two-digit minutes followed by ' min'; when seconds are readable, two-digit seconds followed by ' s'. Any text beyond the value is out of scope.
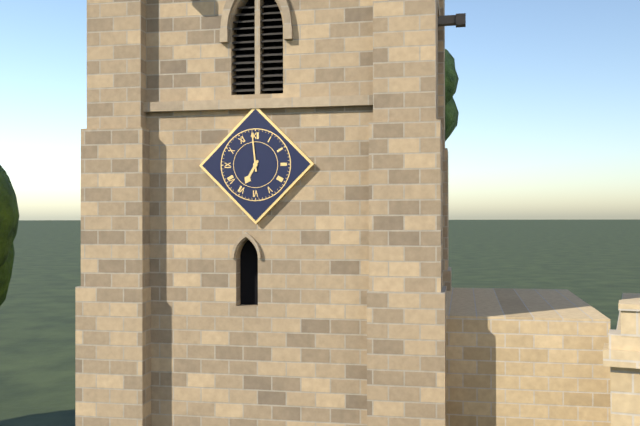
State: 6 h 59 min
